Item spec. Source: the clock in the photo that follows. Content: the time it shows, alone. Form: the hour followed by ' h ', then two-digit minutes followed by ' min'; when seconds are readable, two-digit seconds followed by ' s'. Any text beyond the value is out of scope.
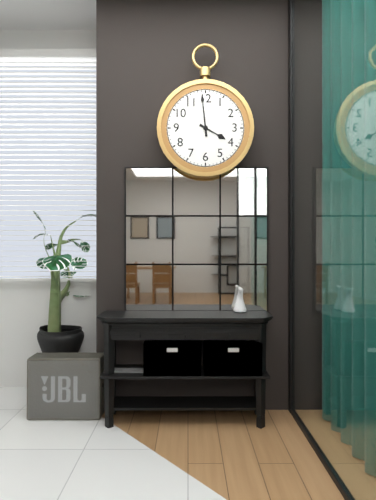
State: 3 h 59 min
